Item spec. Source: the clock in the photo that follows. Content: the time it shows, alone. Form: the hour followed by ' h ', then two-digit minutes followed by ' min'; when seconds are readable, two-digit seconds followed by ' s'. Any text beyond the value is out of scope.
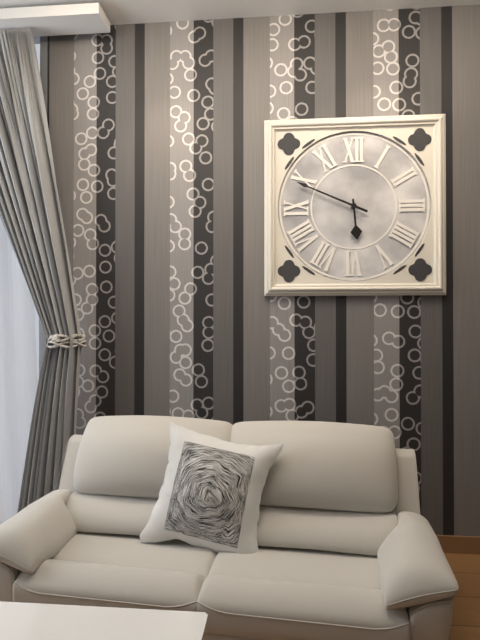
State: 5 h 49 min
